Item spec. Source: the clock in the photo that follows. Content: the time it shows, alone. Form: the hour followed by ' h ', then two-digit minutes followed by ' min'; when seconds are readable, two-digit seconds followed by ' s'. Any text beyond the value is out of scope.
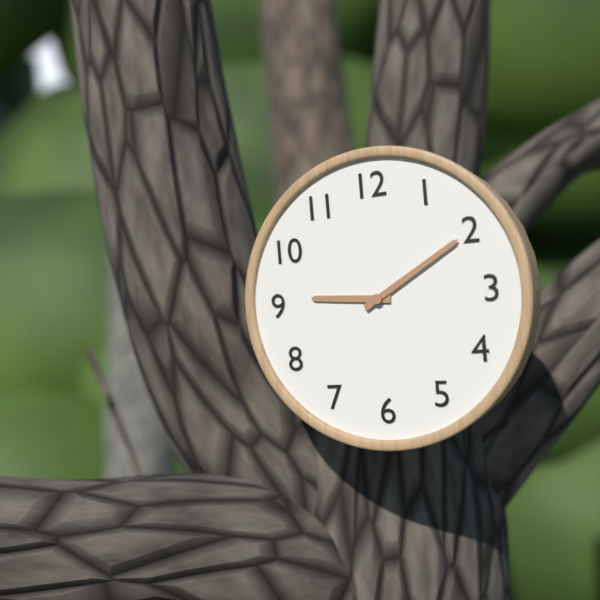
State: 9 h 10 min
